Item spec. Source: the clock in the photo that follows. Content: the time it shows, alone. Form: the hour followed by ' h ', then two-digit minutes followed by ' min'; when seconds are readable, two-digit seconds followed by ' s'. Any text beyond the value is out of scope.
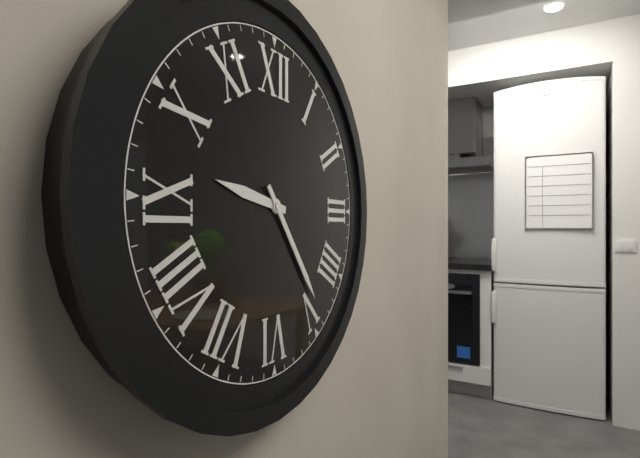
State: 9 h 24 min
